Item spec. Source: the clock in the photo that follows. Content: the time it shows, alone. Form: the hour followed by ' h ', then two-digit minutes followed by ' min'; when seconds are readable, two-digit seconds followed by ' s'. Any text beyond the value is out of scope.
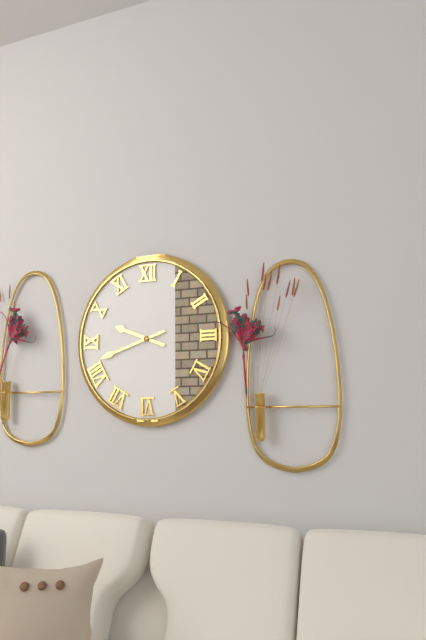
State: 9 h 42 min
